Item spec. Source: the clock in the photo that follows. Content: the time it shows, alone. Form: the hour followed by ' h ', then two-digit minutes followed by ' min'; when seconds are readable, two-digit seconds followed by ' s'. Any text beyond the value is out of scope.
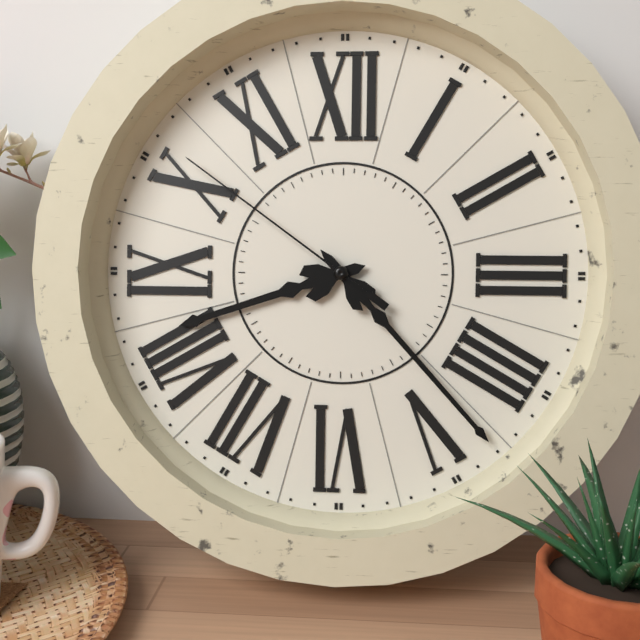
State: 8 h 23 min 51 s
